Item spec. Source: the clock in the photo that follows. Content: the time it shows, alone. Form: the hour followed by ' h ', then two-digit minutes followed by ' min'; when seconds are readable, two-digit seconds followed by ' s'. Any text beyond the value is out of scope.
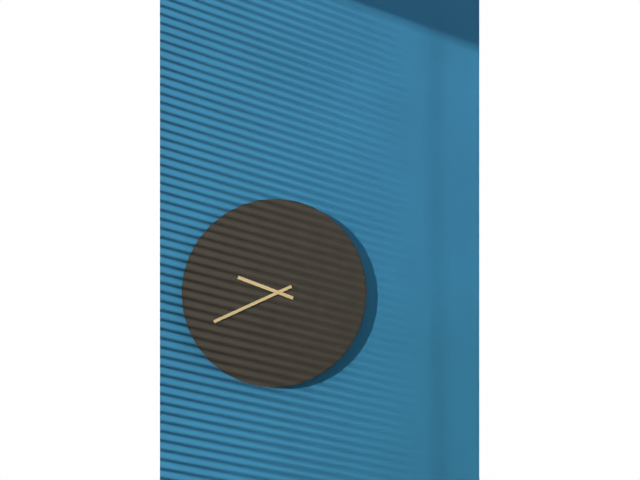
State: 9 h 41 min
